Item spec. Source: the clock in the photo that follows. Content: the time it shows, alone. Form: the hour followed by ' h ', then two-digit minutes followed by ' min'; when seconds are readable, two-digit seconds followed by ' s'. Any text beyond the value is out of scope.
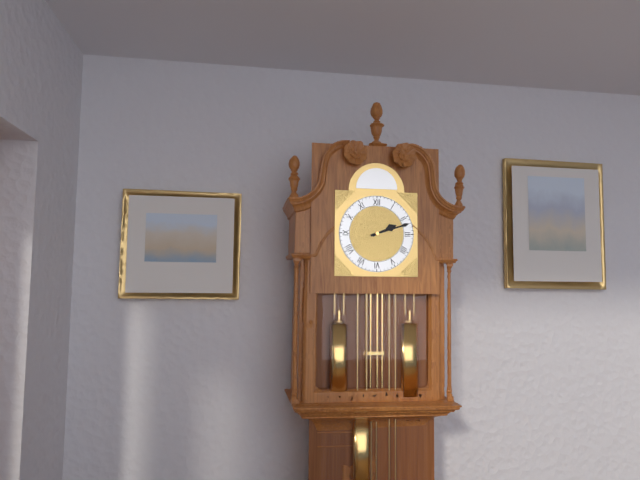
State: 2 h 12 min
